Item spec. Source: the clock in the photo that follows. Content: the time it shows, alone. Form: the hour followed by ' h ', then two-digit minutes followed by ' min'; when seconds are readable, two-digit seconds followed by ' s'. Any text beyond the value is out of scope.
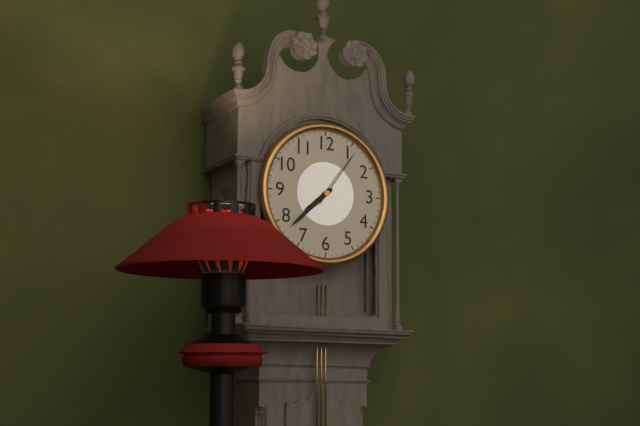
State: 7 h 38 min 06 s
